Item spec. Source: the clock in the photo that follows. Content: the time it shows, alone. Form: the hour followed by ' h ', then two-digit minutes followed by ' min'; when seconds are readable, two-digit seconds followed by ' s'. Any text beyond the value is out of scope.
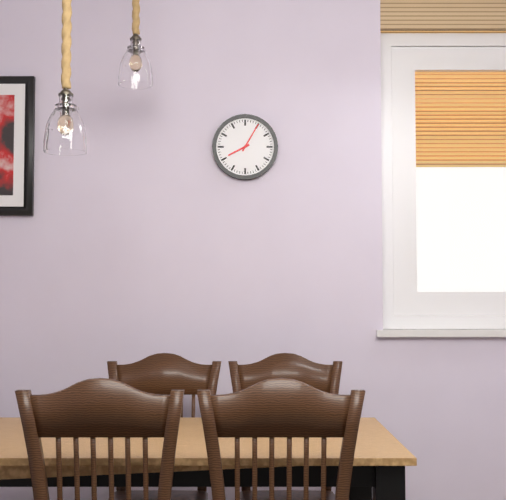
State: 8 h 05 min
